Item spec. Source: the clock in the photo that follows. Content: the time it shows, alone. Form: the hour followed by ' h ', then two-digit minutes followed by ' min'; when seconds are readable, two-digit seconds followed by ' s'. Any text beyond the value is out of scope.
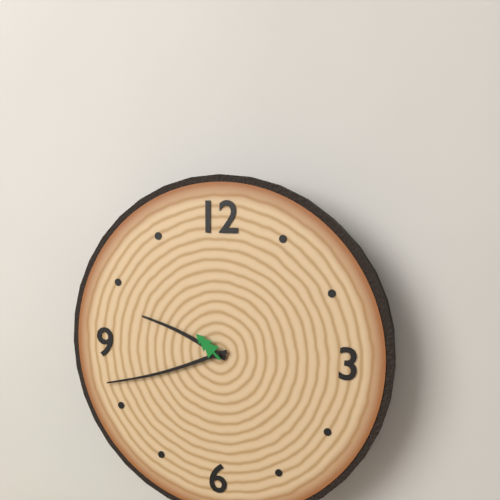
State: 9 h 42 min
